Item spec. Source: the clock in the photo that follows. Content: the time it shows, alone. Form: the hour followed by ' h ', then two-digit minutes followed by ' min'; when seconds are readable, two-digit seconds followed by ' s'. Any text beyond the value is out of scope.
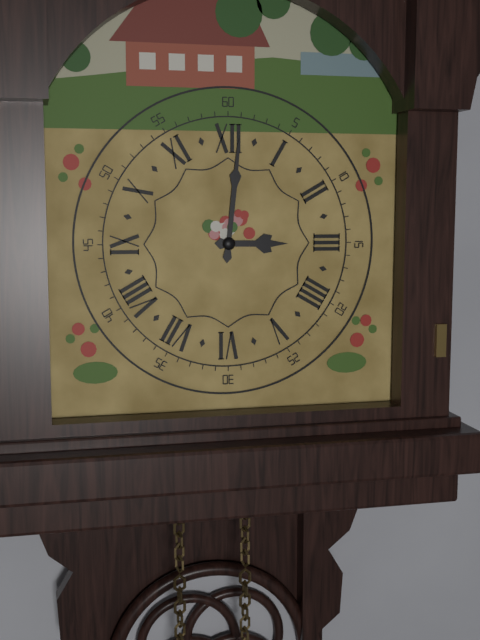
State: 3 h 01 min
